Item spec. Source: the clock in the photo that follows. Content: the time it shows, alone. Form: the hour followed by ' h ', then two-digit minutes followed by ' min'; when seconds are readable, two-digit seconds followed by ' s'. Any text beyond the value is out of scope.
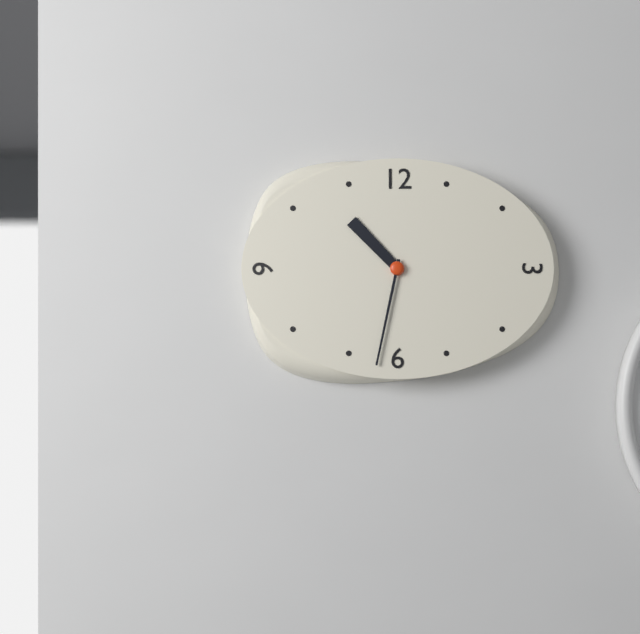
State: 10 h 32 min
